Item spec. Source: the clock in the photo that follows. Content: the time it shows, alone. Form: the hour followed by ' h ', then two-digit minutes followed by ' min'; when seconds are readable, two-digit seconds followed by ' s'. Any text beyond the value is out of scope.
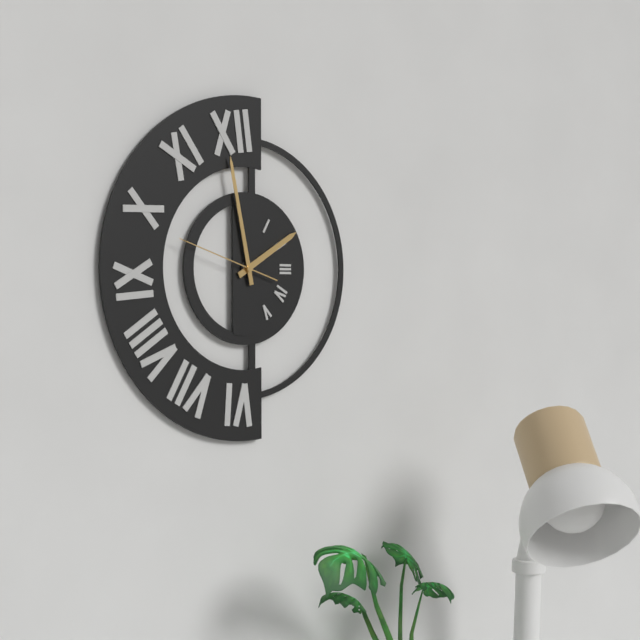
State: 1 h 58 min 48 s
